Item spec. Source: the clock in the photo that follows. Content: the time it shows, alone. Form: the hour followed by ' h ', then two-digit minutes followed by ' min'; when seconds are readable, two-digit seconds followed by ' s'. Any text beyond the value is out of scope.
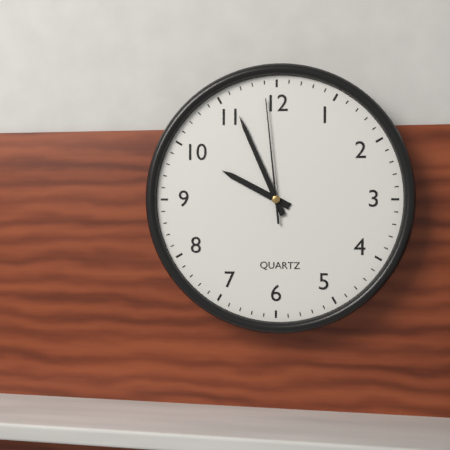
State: 9 h 56 min 59 s
